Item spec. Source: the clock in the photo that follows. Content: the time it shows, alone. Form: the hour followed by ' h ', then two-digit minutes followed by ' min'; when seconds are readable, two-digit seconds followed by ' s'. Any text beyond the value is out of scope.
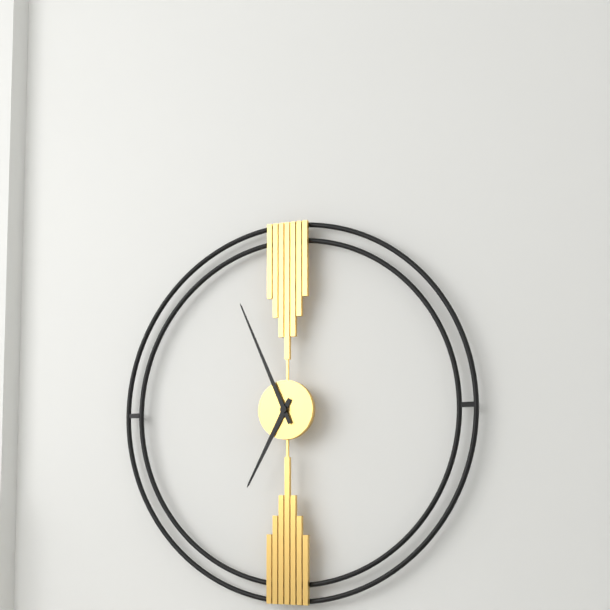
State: 6 h 56 min
